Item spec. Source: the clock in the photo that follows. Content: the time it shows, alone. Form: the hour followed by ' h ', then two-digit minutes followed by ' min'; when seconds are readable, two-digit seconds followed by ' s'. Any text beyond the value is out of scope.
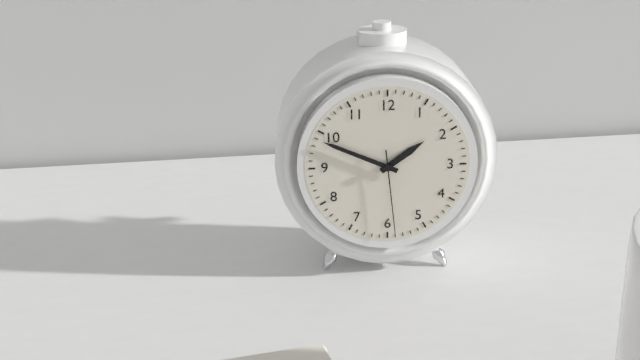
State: 1 h 49 min 29 s
